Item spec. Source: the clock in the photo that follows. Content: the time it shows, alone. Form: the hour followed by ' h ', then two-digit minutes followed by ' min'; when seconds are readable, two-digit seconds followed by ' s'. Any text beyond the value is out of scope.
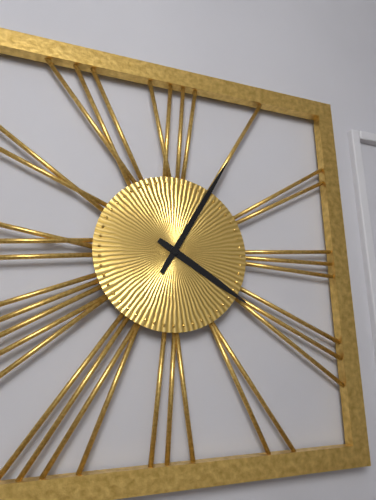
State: 4 h 05 min
